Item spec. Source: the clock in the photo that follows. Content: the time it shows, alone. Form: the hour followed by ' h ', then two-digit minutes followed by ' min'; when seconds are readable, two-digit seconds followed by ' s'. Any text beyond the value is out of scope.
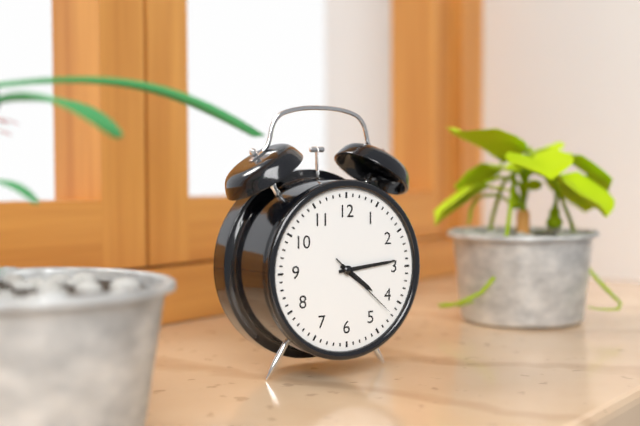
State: 4 h 14 min 22 s
